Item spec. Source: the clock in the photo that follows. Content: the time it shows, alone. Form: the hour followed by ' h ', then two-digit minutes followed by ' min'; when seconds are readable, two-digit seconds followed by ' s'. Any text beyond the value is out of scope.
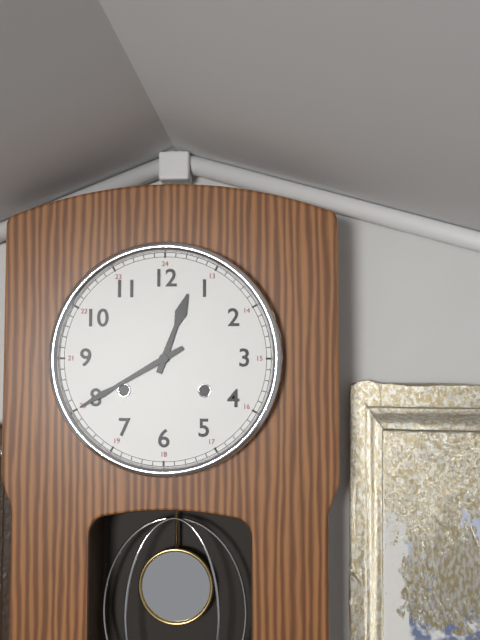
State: 12 h 40 min
